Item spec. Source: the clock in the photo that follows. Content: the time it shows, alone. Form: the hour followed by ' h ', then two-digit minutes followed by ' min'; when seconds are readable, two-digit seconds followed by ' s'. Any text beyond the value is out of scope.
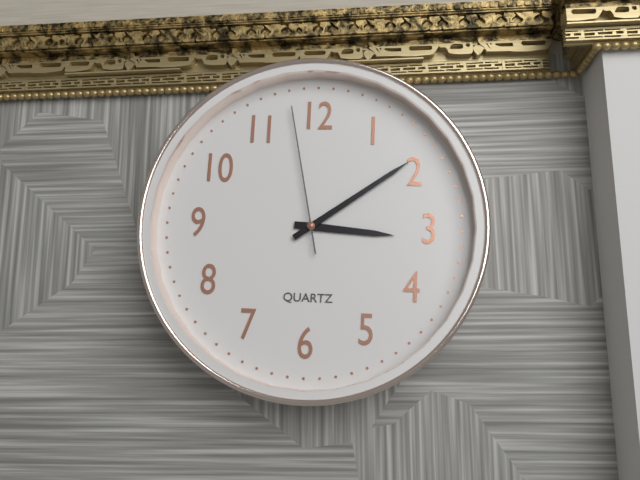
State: 3 h 09 min 58 s
